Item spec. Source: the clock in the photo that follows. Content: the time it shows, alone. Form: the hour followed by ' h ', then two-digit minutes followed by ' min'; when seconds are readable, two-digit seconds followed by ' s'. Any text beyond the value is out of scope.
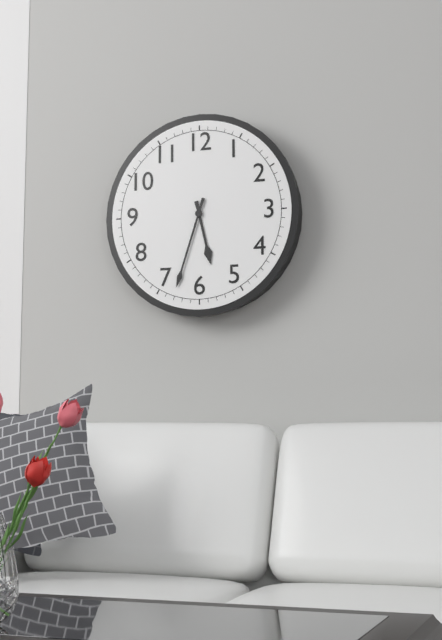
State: 5 h 33 min
